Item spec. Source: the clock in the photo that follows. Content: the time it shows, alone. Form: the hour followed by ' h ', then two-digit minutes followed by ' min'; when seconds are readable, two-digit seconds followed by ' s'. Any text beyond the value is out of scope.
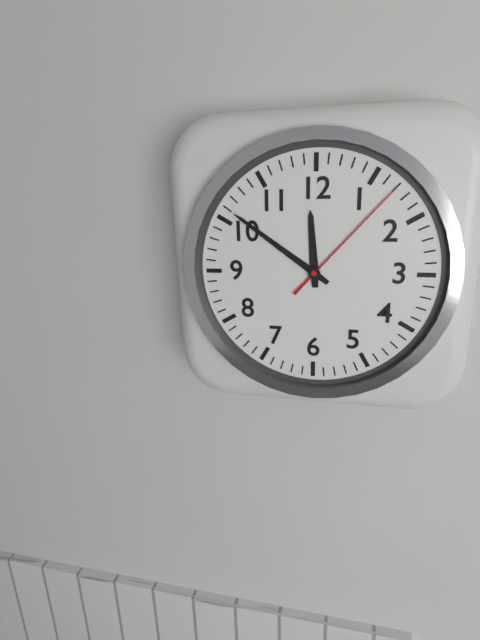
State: 11 h 51 min 07 s
